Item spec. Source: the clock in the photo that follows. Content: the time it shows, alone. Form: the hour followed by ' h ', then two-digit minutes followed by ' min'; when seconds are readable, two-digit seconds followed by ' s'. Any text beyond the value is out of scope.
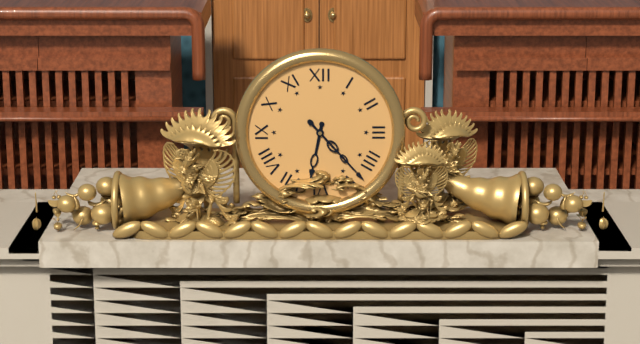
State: 6 h 23 min
